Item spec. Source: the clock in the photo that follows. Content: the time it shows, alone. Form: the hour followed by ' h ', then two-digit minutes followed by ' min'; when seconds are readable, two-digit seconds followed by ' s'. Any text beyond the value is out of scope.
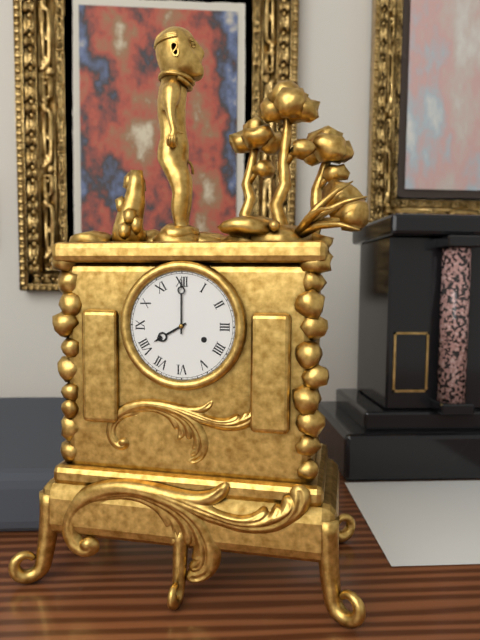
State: 8 h 00 min
